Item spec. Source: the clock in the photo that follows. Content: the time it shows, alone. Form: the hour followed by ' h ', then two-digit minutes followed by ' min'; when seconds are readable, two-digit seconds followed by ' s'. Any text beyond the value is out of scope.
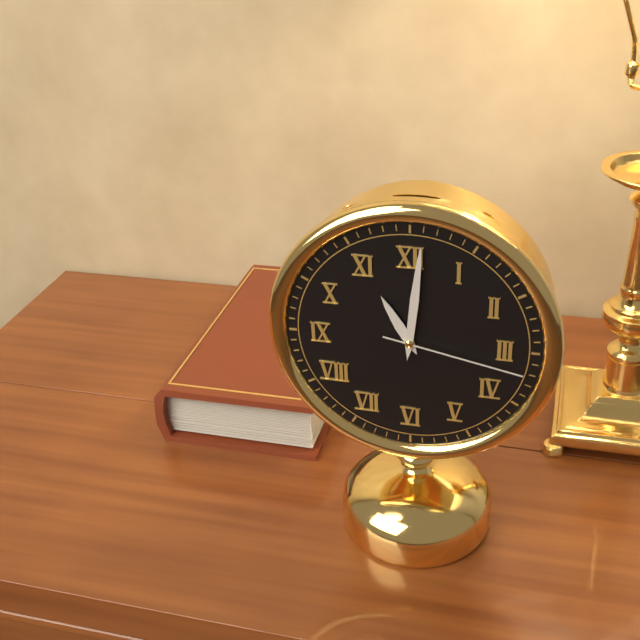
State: 11 h 01 min 17 s
